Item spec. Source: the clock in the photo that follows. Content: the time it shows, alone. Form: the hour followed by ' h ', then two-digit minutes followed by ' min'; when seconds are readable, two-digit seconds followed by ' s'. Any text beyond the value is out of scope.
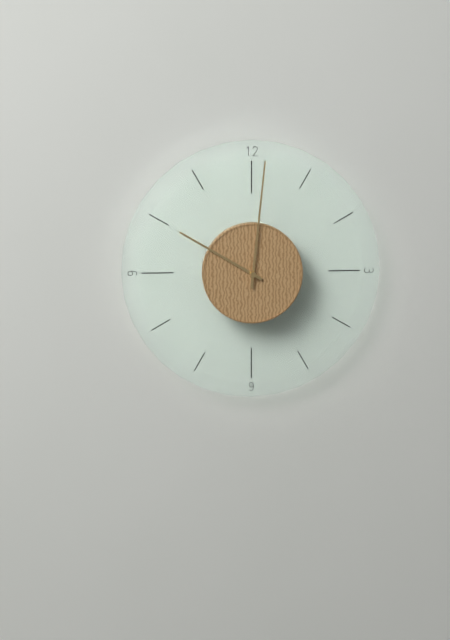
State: 10 h 01 min
